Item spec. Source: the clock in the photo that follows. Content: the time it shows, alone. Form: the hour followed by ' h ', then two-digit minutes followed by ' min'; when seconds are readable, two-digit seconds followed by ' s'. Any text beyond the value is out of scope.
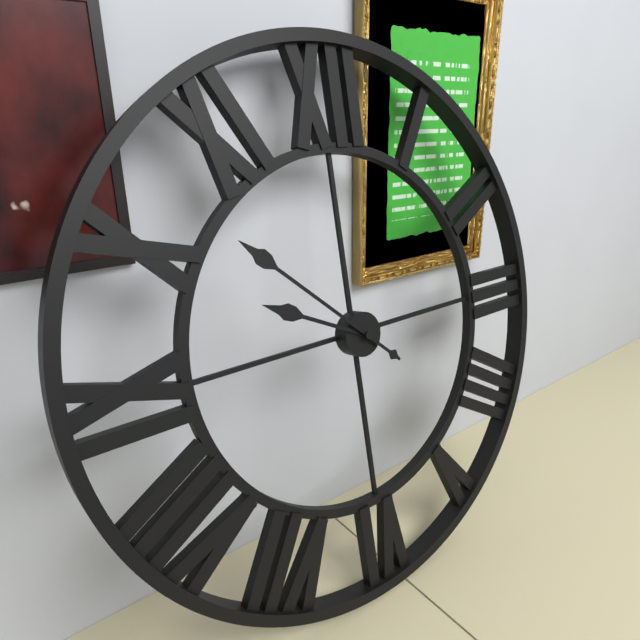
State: 9 h 52 min
